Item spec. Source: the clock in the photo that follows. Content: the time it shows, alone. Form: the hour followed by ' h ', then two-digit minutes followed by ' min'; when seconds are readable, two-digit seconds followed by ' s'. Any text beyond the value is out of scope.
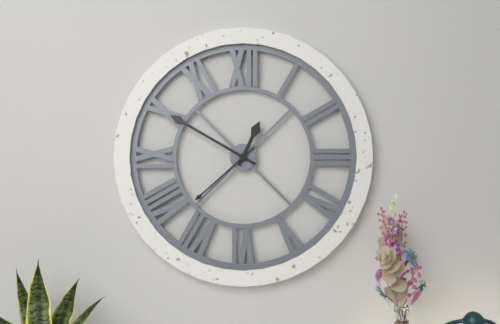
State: 12 h 50 min 38 s
